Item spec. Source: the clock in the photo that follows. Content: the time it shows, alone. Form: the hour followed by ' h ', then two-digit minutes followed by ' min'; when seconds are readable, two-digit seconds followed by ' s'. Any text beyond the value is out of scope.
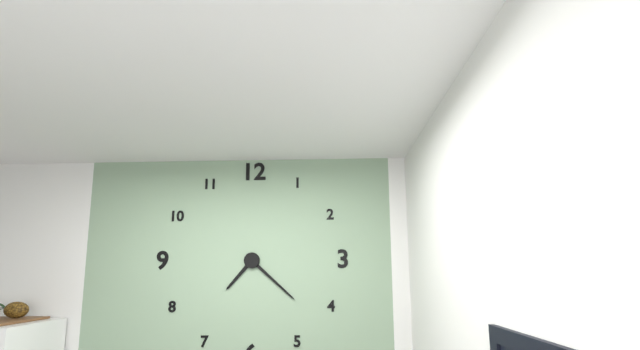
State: 7 h 22 min
